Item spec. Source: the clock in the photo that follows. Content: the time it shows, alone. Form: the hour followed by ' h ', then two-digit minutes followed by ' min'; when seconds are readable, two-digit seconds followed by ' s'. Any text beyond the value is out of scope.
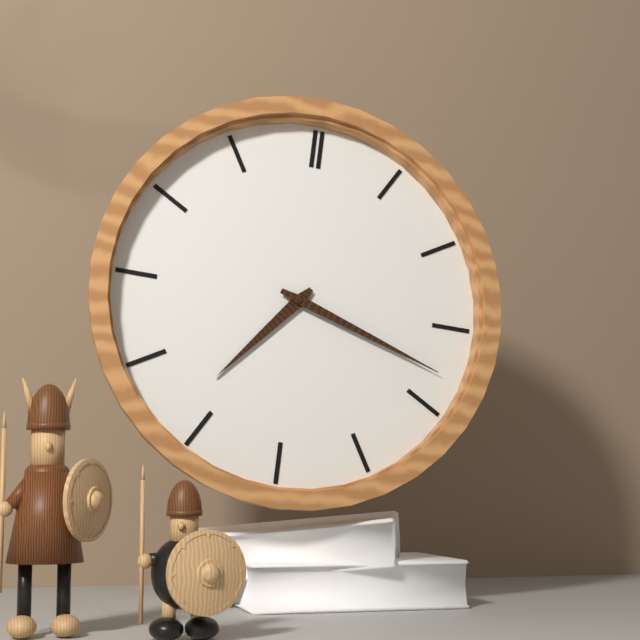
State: 7 h 18 min
